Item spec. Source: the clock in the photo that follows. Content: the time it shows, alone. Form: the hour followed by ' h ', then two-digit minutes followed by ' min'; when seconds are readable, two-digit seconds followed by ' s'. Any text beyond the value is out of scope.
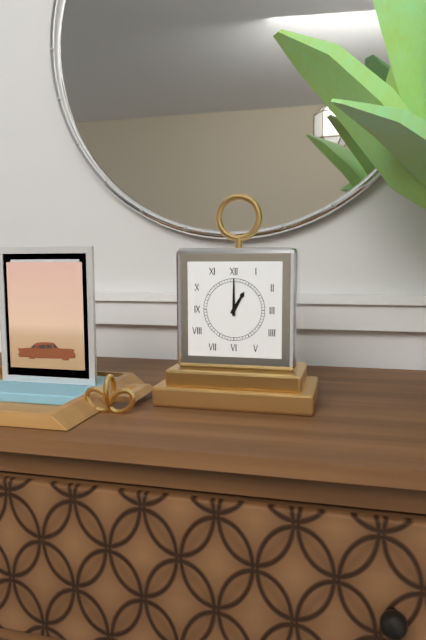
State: 1 h 00 min
